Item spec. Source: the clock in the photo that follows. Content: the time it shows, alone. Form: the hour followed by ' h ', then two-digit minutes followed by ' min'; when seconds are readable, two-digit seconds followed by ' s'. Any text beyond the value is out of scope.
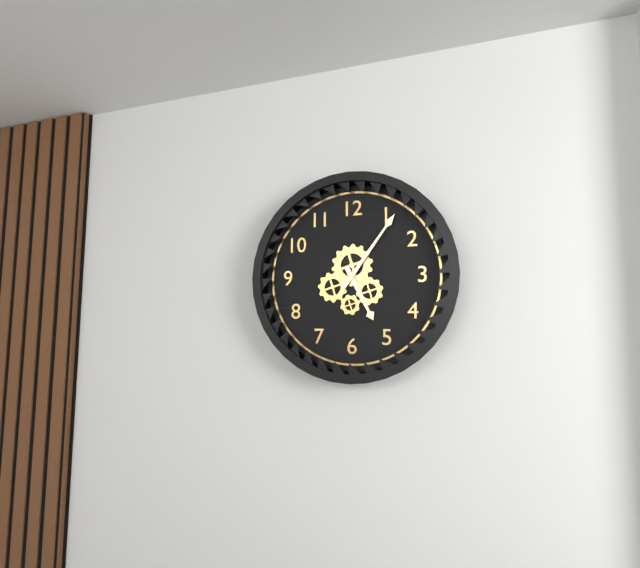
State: 5 h 06 min
